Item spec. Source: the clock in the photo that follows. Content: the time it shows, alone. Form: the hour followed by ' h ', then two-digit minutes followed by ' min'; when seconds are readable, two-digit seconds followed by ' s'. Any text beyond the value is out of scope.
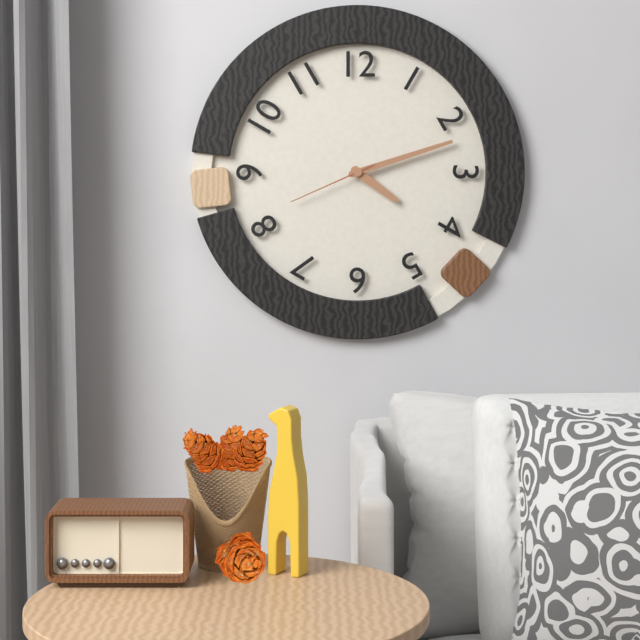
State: 4 h 12 min 41 s
